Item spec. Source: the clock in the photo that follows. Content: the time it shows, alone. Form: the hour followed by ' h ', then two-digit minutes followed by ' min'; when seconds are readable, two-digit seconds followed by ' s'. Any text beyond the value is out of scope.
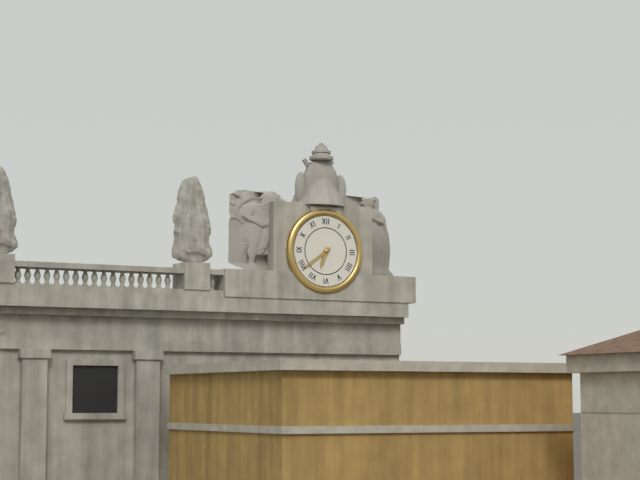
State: 6 h 39 min
